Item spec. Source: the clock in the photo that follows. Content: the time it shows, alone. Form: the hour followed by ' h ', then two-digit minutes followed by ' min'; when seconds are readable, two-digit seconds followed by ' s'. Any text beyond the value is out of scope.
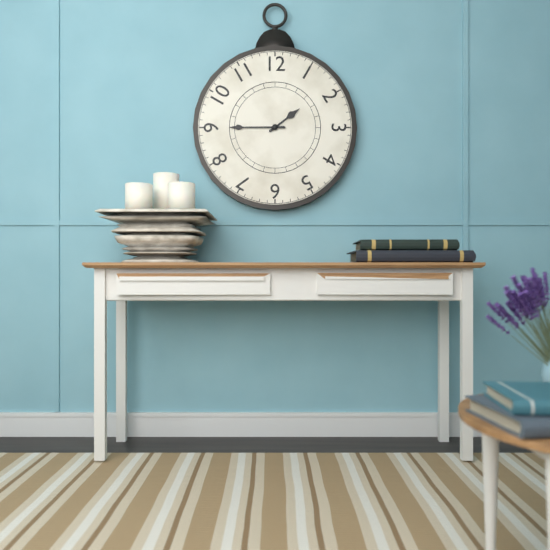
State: 1 h 45 min
